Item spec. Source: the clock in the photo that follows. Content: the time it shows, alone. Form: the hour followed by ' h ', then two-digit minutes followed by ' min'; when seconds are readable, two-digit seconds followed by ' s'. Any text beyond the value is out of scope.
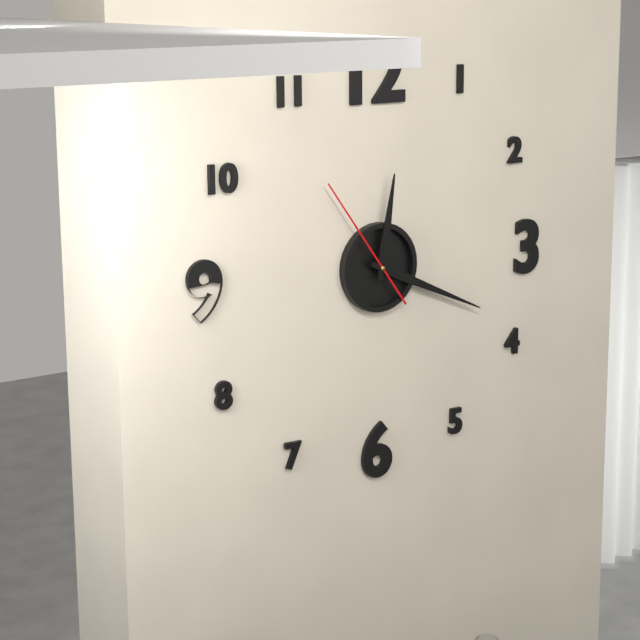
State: 12 h 19 min 54 s
